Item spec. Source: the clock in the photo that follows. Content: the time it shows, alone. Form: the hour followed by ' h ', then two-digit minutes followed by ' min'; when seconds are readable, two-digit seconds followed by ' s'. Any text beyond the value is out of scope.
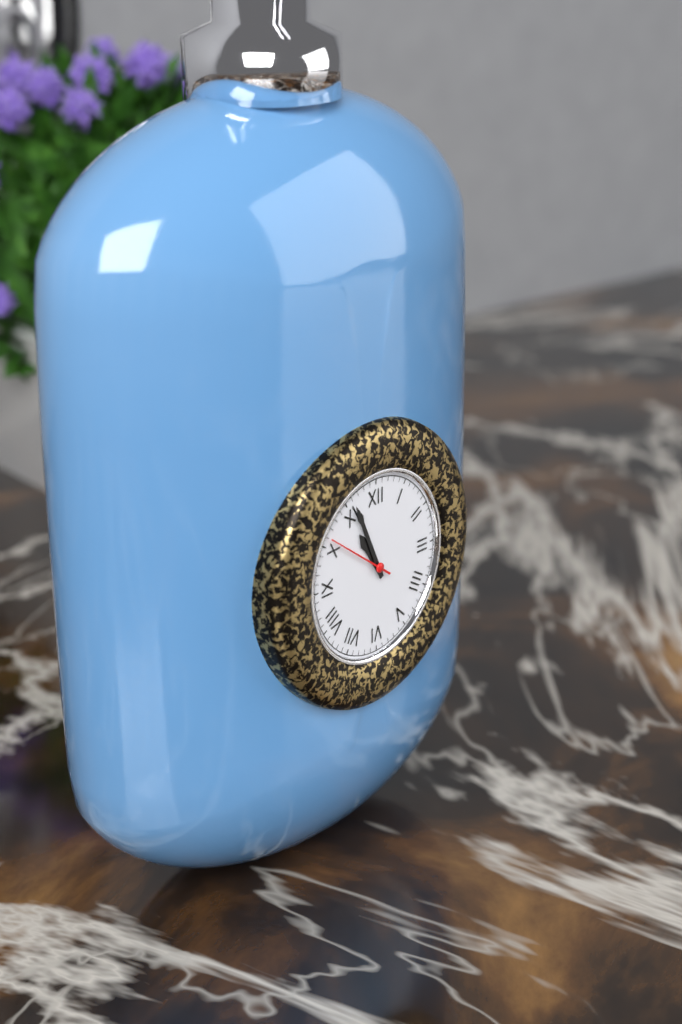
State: 10 h 56 min 51 s
